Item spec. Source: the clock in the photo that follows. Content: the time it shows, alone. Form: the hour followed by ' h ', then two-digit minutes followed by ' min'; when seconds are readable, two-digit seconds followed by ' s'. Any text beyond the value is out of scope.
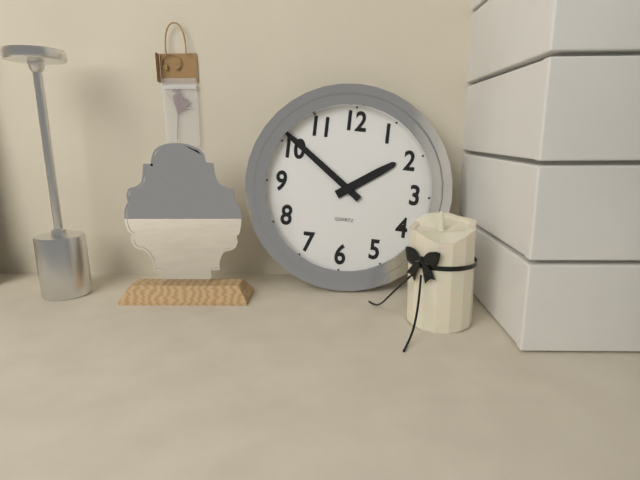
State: 1 h 51 min
